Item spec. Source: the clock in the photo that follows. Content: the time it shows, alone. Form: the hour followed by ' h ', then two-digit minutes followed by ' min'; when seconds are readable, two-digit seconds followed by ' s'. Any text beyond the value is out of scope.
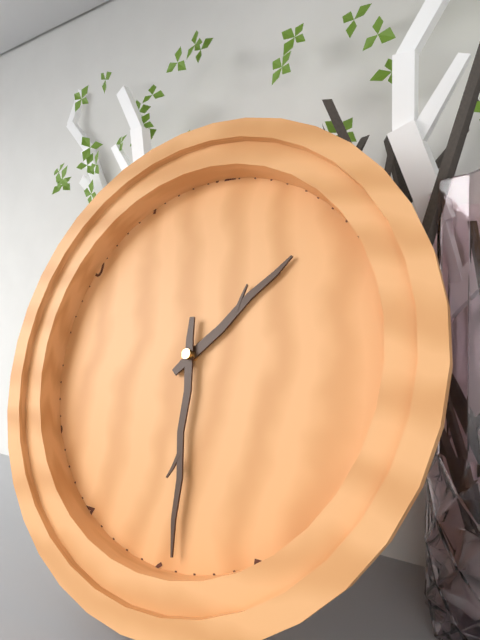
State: 1 h 29 min
